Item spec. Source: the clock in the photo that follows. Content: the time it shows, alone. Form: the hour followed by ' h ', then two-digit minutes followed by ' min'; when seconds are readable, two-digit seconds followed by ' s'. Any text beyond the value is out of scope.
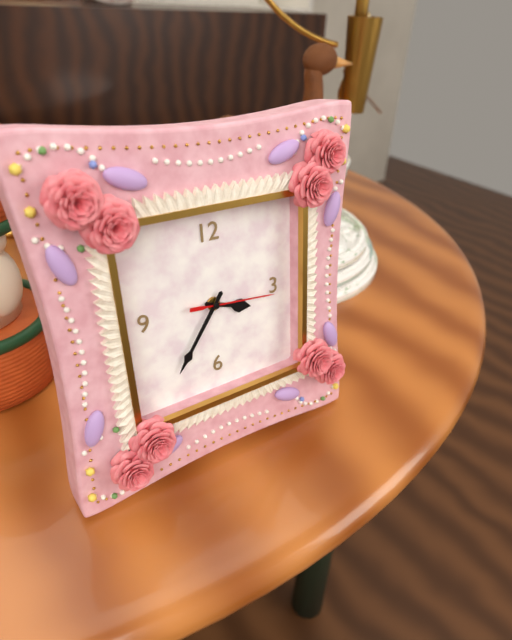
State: 3 h 36 min 16 s
